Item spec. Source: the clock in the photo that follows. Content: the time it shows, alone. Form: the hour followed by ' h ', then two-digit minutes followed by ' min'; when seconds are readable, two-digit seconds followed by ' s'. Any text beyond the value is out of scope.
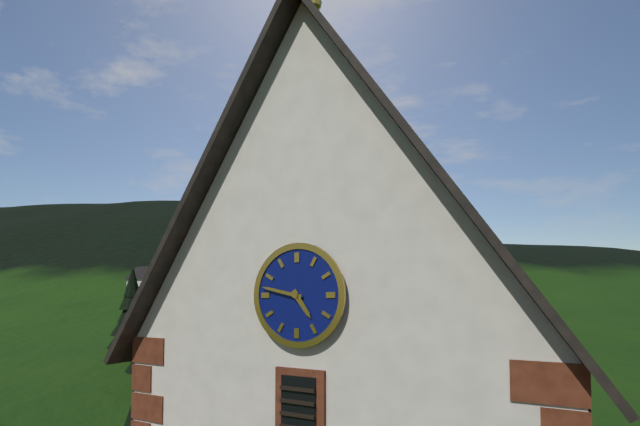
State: 4 h 47 min
